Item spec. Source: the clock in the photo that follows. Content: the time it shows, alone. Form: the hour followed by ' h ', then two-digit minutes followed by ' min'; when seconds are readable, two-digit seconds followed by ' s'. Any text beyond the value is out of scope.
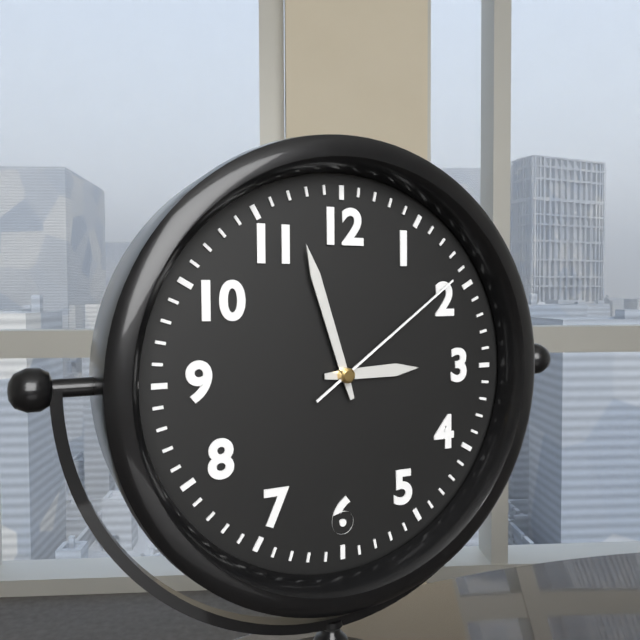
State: 2 h 57 min 09 s
